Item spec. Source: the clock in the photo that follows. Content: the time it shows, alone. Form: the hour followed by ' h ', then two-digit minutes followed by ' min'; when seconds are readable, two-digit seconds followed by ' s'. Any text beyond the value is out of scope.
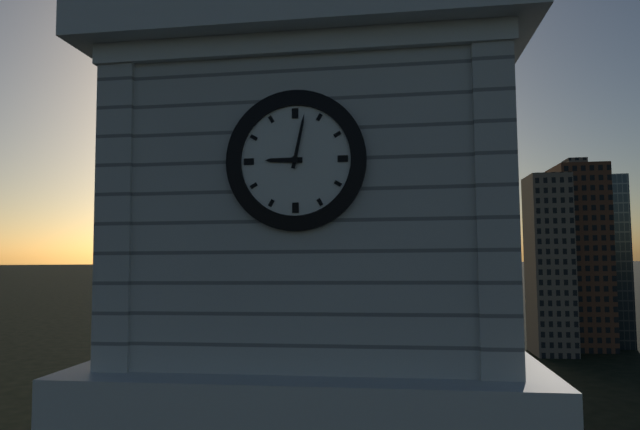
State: 9 h 02 min
